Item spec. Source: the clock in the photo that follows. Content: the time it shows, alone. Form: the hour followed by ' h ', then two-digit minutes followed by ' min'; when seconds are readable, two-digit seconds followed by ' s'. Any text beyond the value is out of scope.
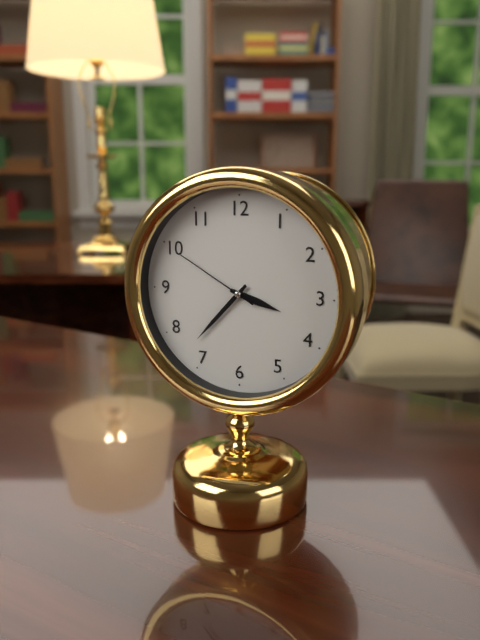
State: 3 h 37 min 50 s
